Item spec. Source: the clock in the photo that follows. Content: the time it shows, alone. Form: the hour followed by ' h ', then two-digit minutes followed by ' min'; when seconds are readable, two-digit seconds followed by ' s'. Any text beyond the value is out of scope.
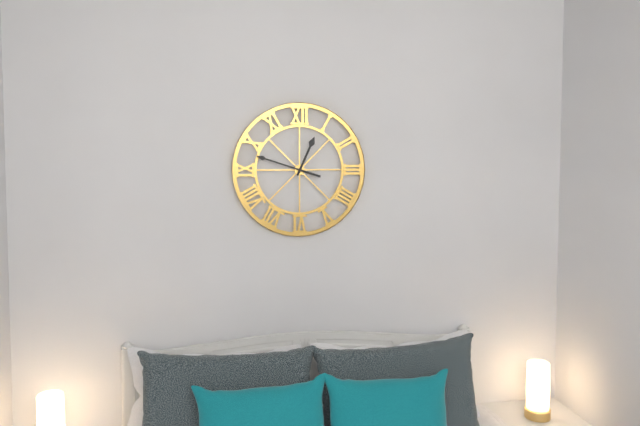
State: 12 h 48 min
